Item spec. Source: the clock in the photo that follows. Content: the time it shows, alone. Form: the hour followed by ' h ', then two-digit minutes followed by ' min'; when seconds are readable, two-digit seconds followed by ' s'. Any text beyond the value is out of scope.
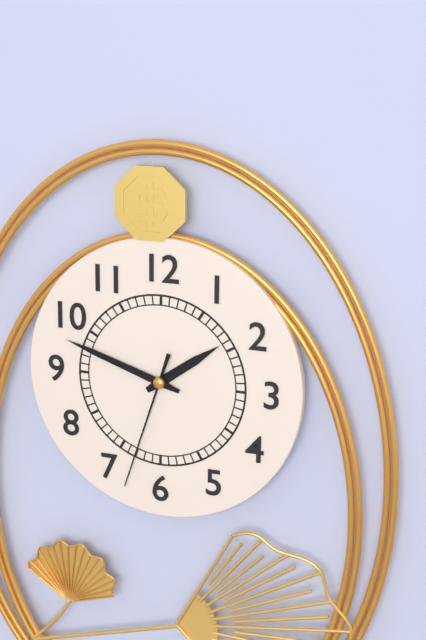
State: 1 h 48 min 33 s
